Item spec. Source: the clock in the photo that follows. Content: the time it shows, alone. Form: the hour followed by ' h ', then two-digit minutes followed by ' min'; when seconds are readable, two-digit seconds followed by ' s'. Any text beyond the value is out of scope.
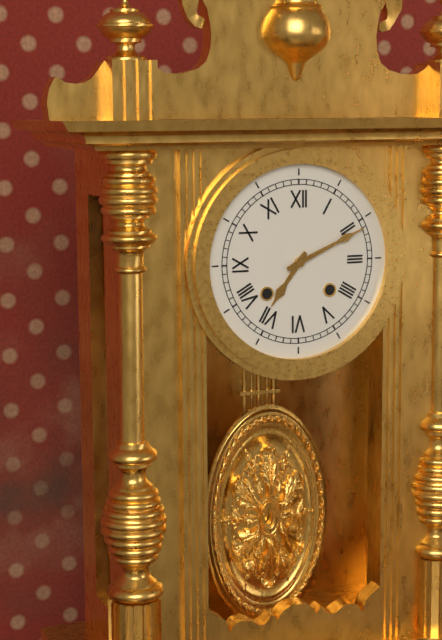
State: 7 h 11 min
